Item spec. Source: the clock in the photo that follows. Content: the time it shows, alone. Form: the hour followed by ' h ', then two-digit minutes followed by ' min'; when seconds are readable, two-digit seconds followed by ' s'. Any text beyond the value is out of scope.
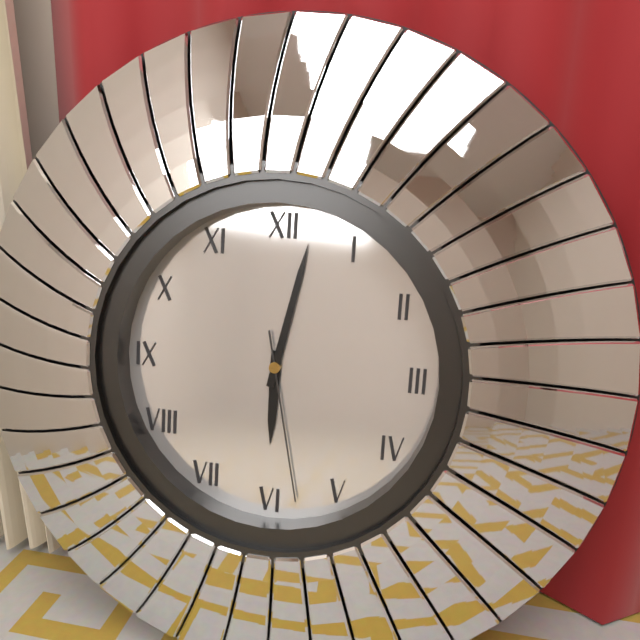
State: 6 h 02 min 28 s
